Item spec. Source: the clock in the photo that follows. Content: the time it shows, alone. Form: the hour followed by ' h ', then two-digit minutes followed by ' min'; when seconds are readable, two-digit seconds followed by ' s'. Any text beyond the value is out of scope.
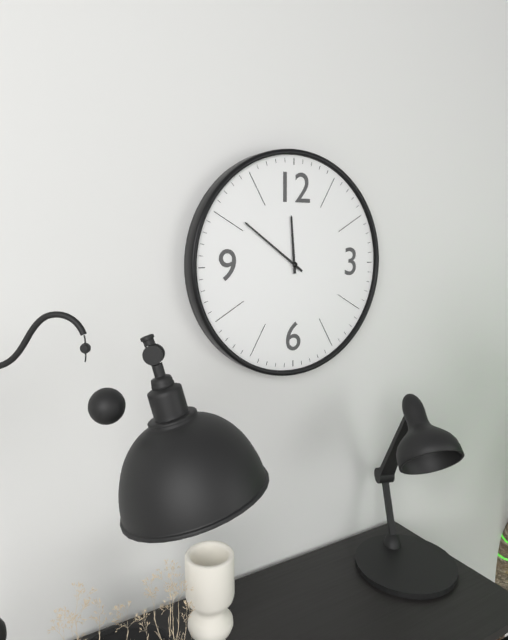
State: 11 h 51 min
